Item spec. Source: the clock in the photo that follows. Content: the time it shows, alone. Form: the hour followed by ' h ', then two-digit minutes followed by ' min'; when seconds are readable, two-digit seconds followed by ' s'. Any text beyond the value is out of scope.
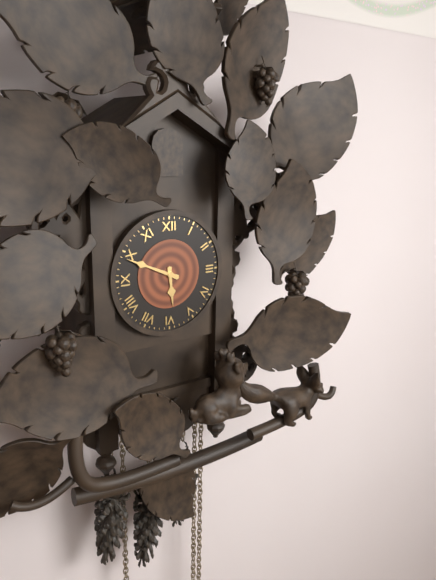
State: 5 h 49 min
